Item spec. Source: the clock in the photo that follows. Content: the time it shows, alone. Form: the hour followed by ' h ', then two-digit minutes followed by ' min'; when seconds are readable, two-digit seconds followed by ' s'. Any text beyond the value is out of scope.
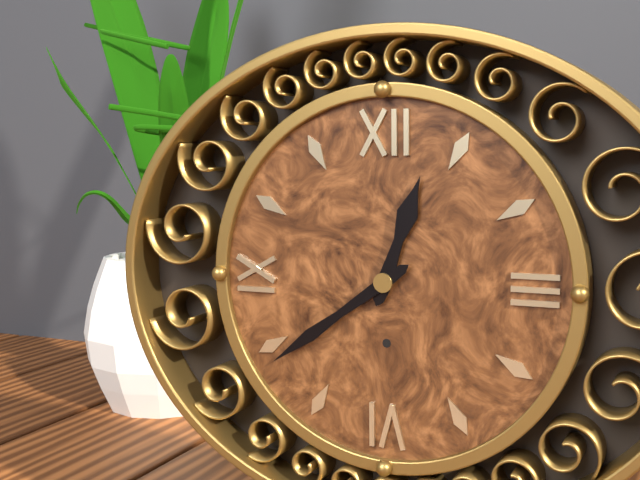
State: 12 h 39 min
